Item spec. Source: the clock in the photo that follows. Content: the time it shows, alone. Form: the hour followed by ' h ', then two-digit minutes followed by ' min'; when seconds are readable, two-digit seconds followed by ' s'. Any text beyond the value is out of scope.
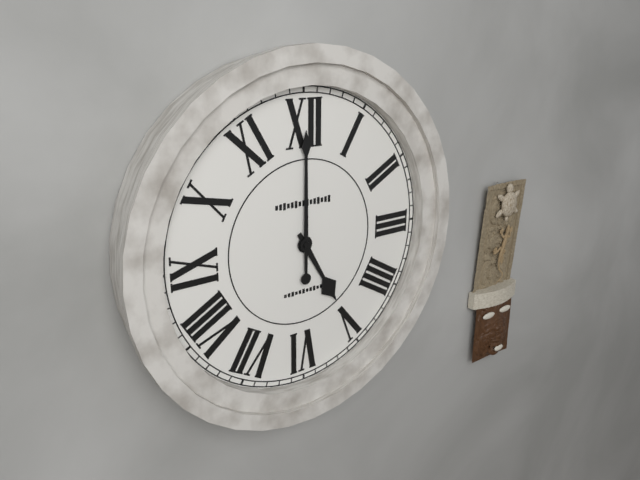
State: 5 h 00 min
